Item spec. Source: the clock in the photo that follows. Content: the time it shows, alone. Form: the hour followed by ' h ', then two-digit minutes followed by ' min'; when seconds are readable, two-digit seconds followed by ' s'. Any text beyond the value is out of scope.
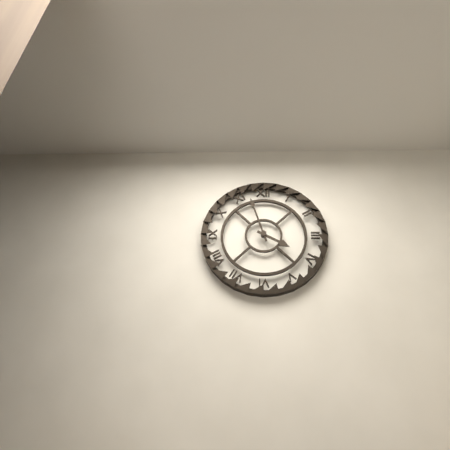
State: 3 h 57 min
